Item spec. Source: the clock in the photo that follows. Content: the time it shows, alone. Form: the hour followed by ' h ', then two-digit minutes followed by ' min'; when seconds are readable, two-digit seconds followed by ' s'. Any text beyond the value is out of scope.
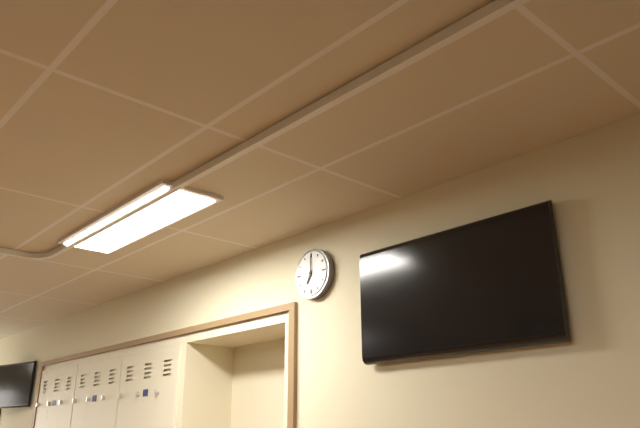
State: 7 h 00 min
